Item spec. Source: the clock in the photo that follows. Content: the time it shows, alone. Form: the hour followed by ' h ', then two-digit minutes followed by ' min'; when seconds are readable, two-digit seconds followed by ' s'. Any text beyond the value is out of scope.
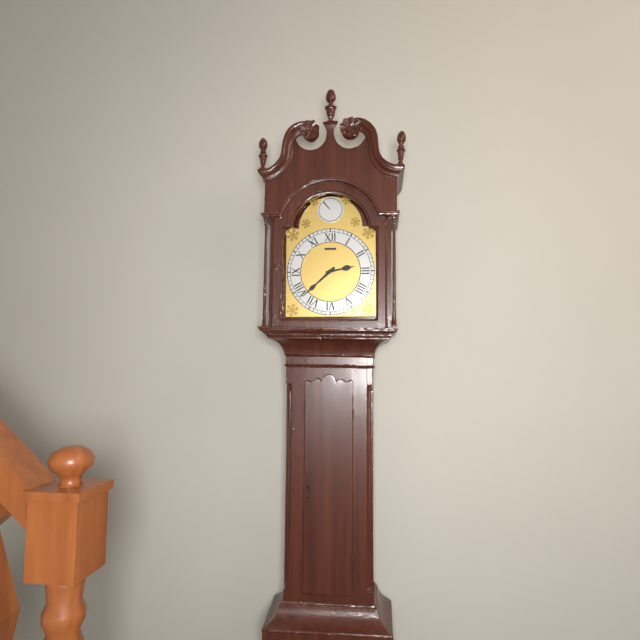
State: 2 h 38 min
